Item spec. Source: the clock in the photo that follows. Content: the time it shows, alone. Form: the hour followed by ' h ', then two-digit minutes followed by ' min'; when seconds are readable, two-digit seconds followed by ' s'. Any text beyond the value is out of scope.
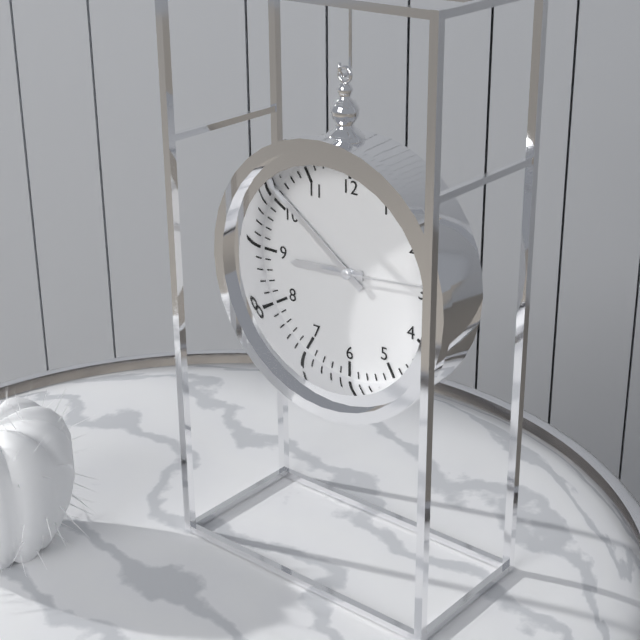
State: 8 h 51 min 14 s
